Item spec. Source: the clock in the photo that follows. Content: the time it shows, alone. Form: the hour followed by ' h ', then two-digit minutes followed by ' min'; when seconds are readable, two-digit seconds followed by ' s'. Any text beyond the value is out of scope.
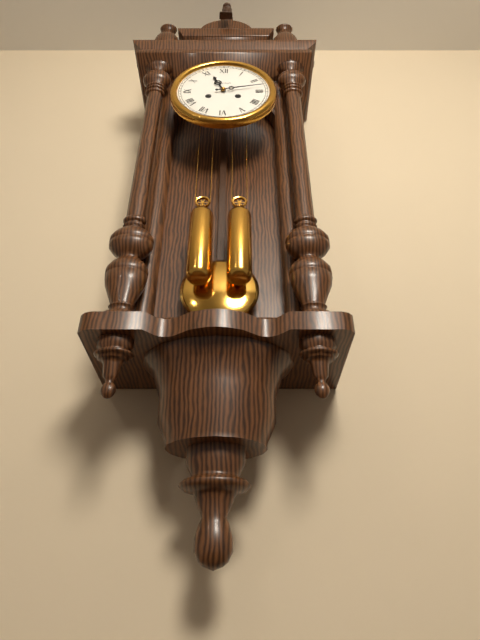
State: 11 h 13 min
